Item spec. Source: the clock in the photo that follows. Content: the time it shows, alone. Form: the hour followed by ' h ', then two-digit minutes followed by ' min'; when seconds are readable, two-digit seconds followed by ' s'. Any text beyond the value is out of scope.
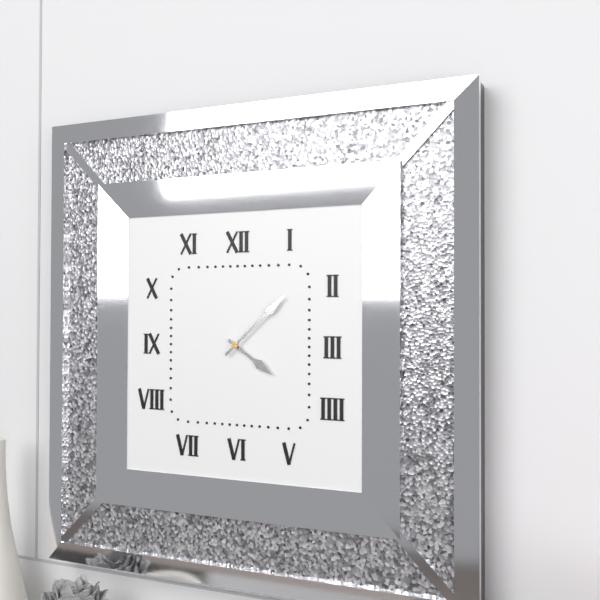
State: 4 h 08 min
